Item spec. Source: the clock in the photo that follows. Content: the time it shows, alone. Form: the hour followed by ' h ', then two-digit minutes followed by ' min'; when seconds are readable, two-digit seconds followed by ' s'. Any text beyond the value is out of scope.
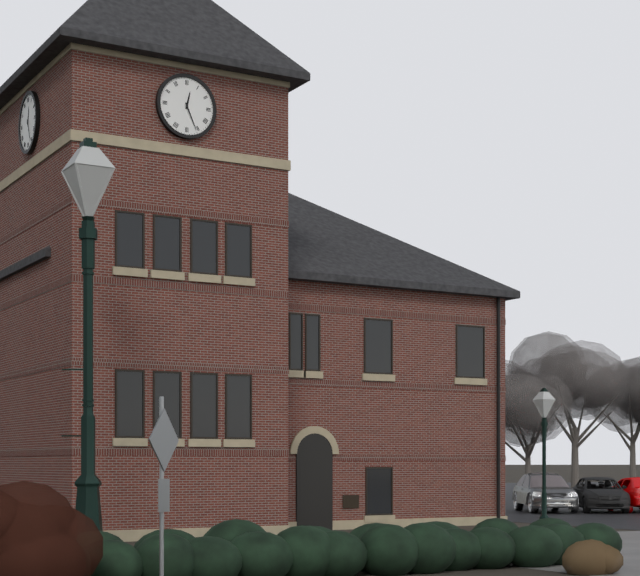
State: 12 h 26 min
